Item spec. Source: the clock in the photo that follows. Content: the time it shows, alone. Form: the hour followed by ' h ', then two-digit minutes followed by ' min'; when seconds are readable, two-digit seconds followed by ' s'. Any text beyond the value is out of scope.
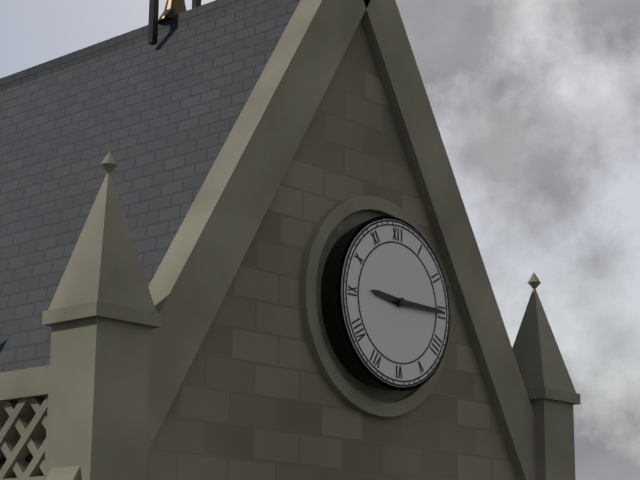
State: 9 h 15 min
